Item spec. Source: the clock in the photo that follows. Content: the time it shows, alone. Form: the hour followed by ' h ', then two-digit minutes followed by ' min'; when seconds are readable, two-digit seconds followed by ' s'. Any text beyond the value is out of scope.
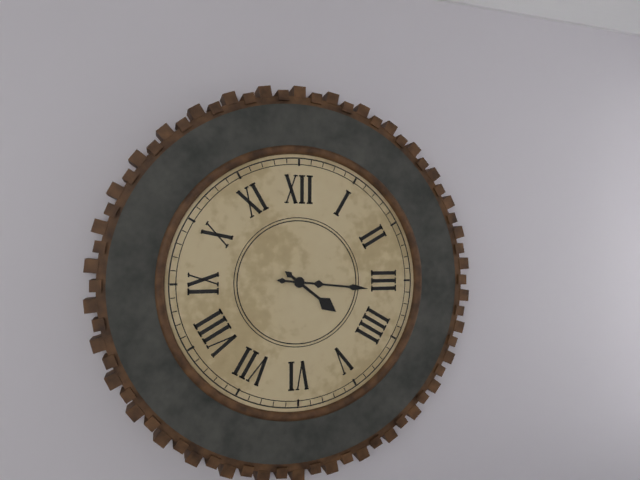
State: 4 h 16 min
